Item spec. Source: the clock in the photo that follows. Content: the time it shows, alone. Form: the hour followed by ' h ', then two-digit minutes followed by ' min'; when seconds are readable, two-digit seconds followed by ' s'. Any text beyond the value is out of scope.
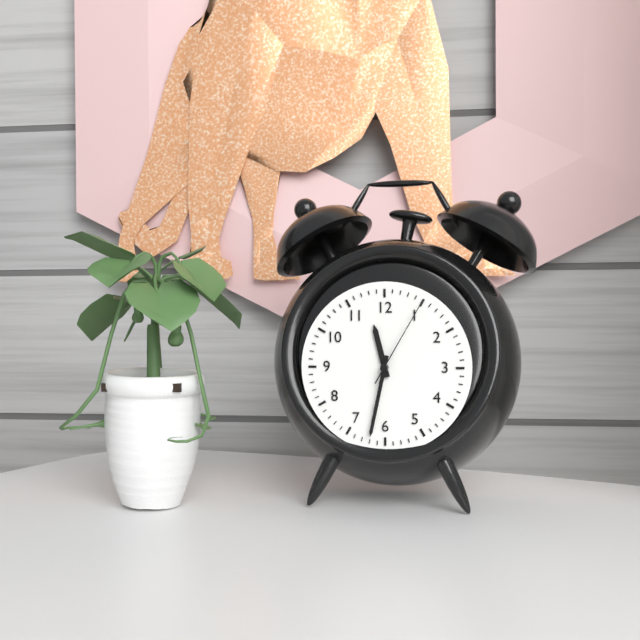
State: 11 h 32 min 05 s
